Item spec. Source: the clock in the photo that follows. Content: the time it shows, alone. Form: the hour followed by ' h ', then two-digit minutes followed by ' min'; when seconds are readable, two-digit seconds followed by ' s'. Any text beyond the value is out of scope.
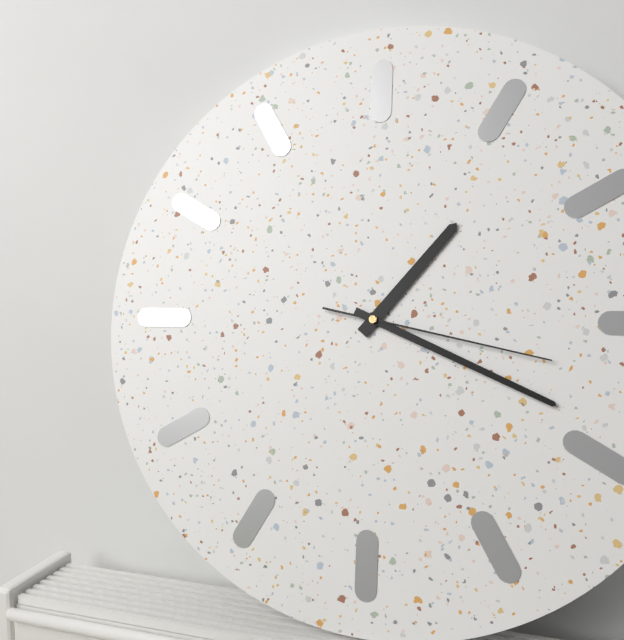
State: 1 h 19 min 17 s
